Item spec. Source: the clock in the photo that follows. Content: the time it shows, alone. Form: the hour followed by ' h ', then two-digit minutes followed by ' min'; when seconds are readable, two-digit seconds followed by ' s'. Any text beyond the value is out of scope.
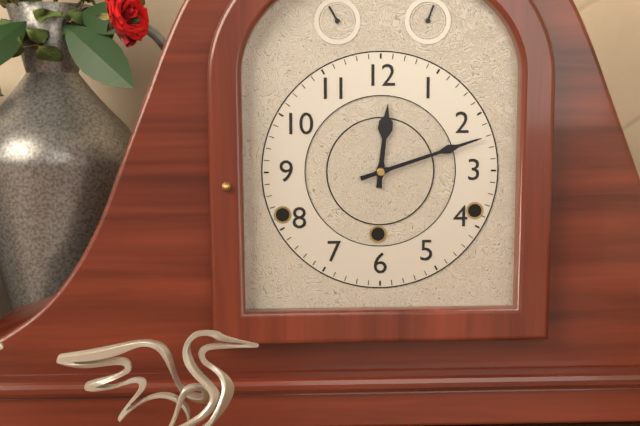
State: 12 h 12 min
